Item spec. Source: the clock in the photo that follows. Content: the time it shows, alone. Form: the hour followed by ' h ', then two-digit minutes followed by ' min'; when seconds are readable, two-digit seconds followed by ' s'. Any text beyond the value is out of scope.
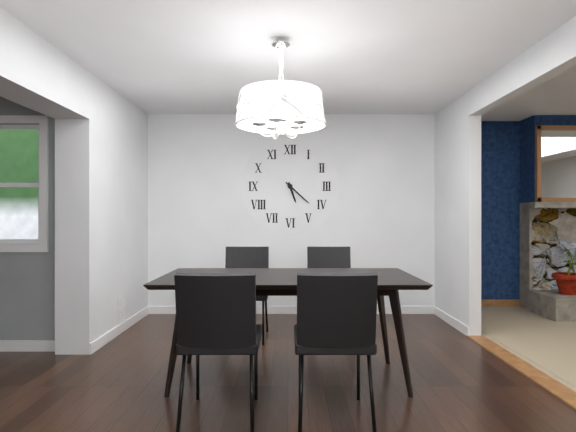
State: 5 h 22 min
